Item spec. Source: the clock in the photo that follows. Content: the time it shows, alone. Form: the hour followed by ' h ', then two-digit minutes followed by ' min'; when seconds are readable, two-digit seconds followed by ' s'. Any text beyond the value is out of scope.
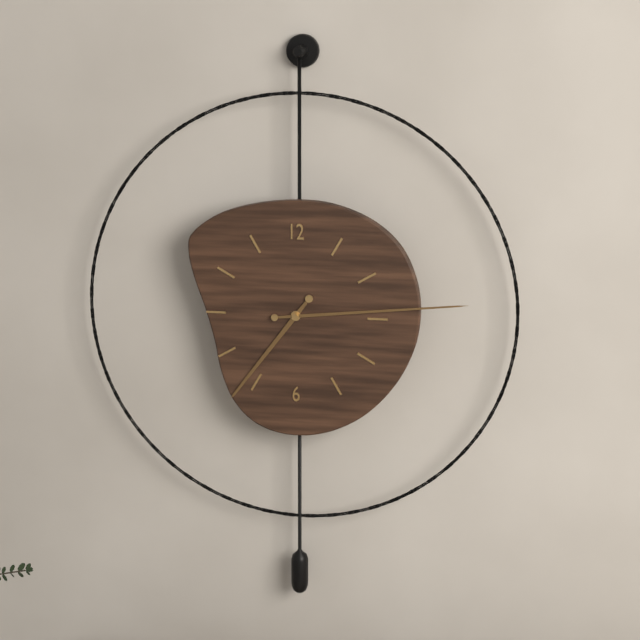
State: 7 h 14 min
